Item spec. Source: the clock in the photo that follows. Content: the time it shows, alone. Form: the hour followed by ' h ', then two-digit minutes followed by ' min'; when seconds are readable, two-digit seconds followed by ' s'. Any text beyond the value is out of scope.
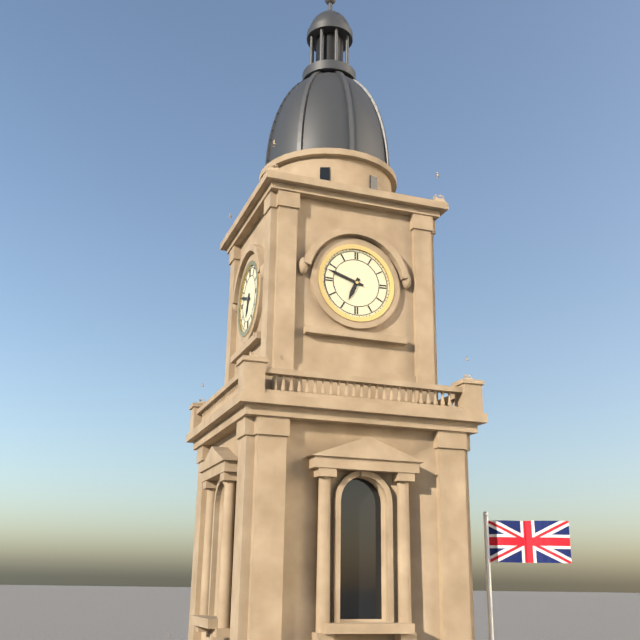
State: 6 h 48 min
